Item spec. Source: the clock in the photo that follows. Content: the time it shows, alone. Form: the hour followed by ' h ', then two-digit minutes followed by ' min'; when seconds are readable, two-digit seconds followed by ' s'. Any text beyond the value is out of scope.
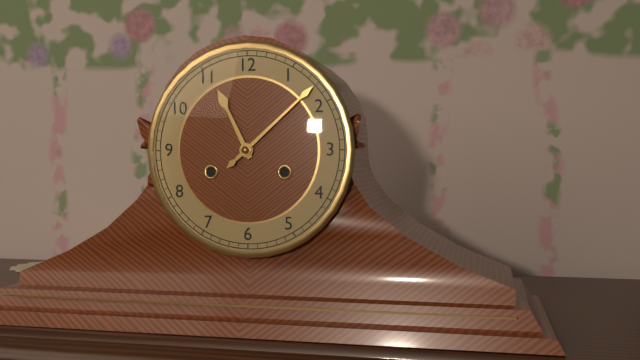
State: 11 h 08 min
